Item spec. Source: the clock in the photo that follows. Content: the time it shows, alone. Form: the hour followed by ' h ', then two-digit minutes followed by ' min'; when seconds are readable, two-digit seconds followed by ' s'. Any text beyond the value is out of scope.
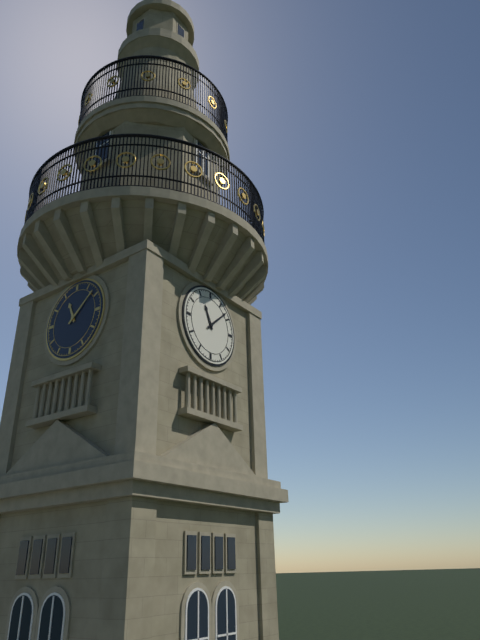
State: 11 h 08 min
